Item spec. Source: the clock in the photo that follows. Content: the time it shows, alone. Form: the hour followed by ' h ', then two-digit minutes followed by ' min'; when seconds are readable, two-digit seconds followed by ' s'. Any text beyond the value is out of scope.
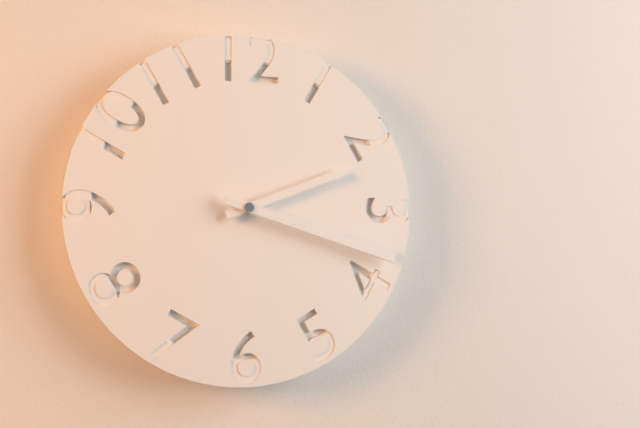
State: 2 h 18 min
